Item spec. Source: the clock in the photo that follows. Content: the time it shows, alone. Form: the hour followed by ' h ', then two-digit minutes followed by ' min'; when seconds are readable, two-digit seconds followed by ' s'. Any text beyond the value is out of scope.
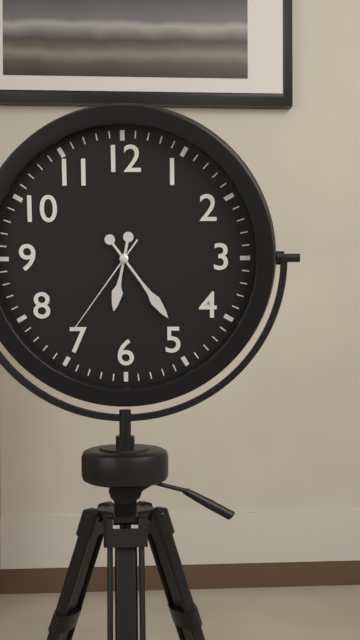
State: 6 h 24 min 36 s
